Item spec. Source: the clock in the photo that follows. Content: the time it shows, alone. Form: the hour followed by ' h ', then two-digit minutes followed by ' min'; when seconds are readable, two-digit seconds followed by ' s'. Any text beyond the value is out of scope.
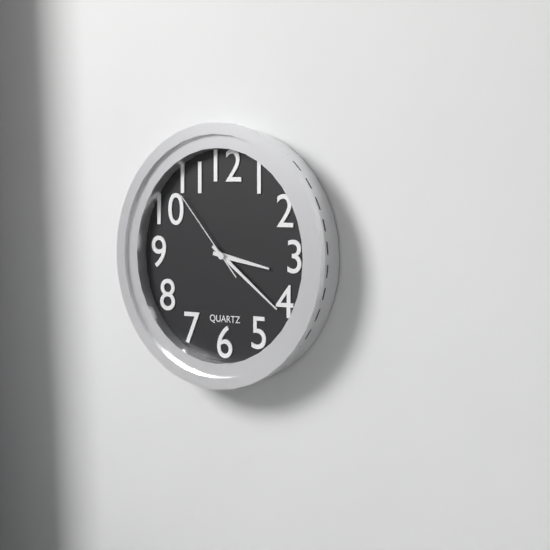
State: 3 h 21 min 53 s
